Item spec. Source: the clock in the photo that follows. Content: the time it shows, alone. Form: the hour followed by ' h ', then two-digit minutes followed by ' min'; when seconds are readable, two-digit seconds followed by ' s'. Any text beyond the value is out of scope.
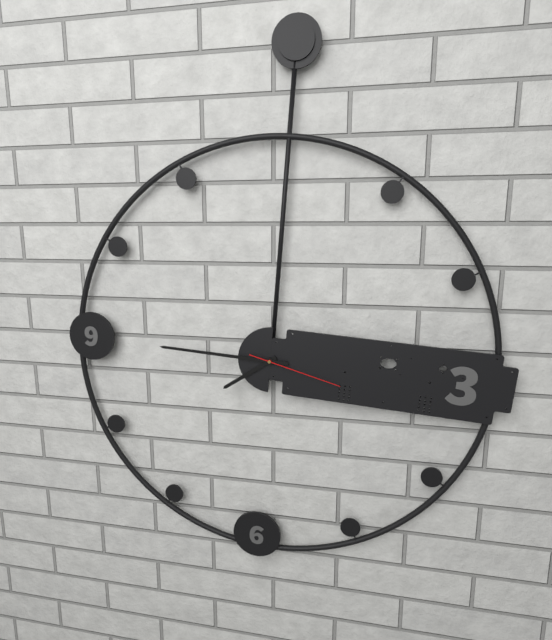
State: 7 h 45 min 17 s
